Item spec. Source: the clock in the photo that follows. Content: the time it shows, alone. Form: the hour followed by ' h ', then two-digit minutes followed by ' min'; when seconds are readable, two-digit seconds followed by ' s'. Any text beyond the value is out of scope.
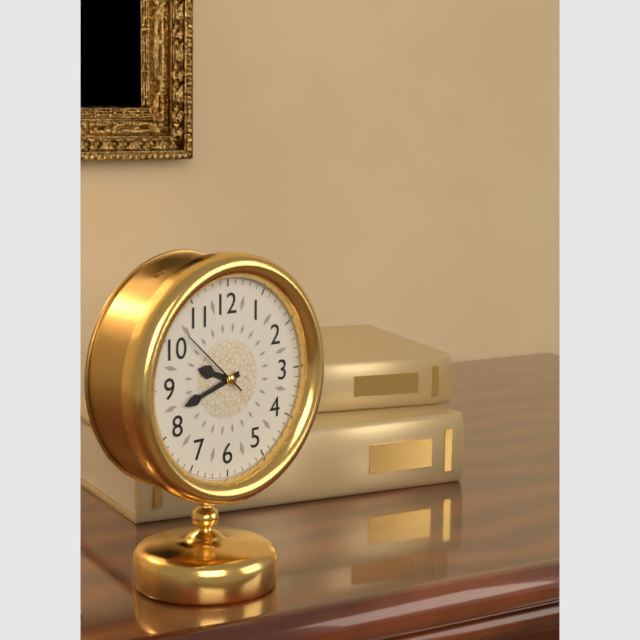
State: 9 h 42 min 52 s
